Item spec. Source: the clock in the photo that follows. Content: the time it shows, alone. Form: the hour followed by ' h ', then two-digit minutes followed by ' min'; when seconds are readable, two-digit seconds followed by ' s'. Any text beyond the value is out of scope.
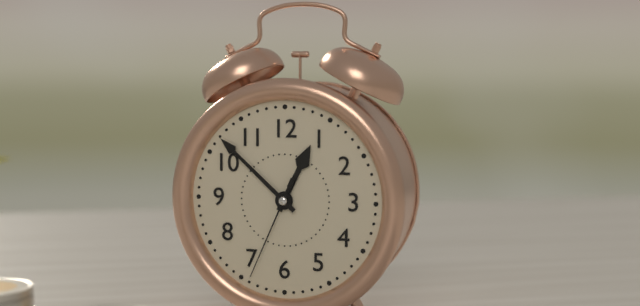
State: 12 h 52 min 34 s
